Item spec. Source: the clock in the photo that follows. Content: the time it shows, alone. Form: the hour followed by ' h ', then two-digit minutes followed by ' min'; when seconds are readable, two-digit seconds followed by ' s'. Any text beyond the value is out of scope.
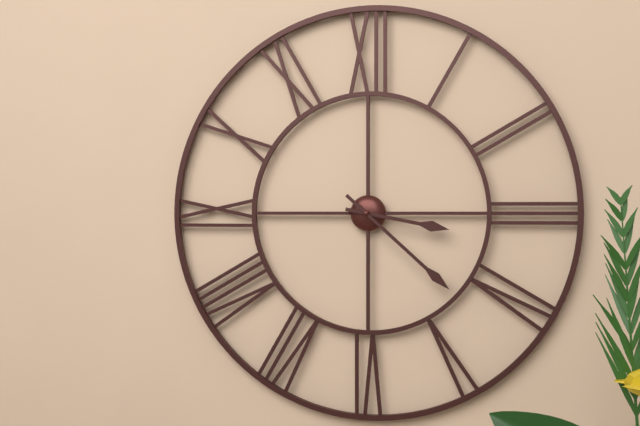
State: 3 h 22 min
